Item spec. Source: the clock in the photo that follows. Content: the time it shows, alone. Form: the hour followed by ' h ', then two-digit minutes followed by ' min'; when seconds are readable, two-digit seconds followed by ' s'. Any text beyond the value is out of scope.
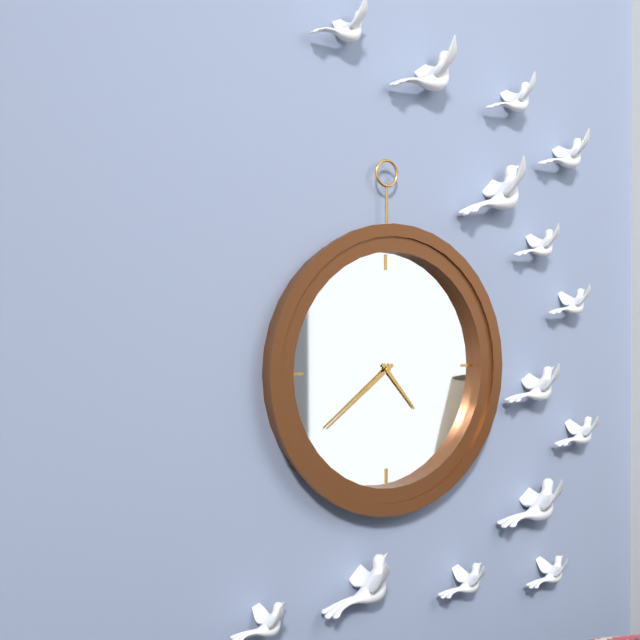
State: 4 h 39 min
